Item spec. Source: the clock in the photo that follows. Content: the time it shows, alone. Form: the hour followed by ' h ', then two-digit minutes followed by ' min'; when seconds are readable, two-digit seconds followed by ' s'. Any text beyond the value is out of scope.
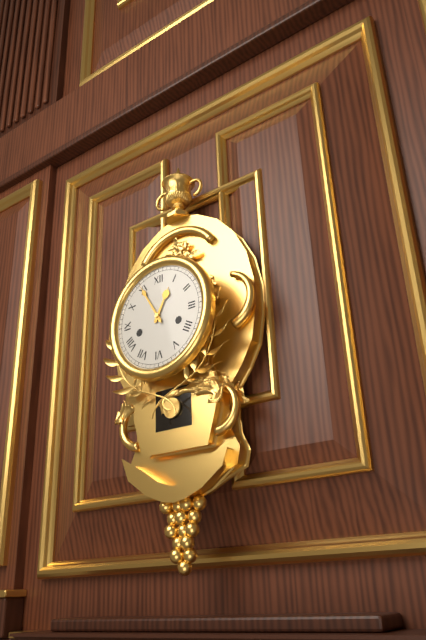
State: 12 h 55 min
